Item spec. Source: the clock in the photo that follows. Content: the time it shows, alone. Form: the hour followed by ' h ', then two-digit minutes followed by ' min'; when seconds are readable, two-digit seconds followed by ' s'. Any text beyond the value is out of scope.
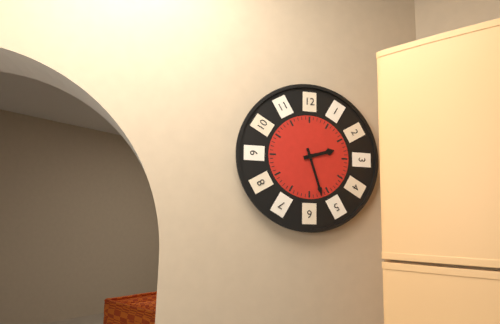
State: 2 h 27 min
